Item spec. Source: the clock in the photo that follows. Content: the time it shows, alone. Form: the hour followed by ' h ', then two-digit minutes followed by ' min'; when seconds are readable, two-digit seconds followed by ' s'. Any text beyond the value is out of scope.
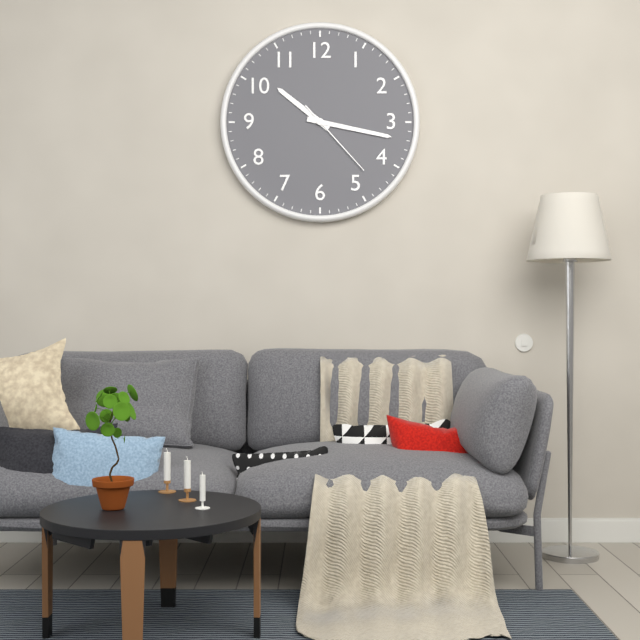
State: 10 h 17 min 23 s
